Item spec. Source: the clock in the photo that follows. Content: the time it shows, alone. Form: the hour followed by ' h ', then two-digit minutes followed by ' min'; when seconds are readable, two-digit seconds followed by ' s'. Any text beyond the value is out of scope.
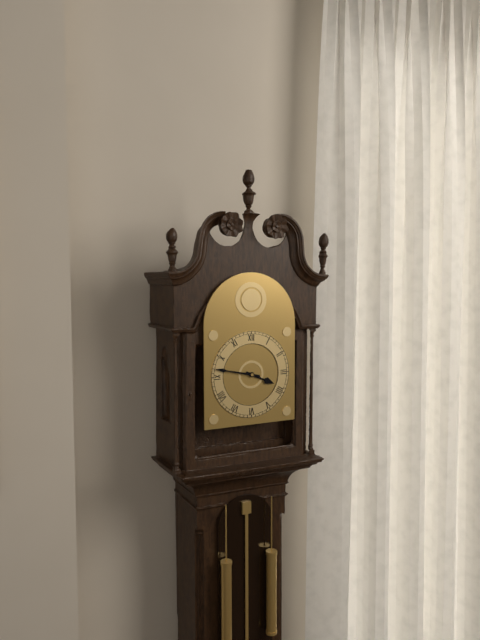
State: 3 h 47 min
